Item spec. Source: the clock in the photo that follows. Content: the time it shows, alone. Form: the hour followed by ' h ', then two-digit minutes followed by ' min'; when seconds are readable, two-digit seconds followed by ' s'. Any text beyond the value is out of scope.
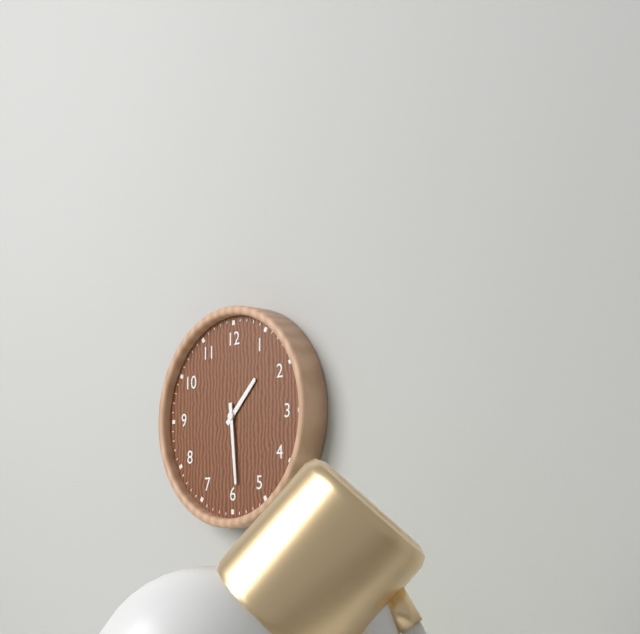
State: 1 h 29 min
